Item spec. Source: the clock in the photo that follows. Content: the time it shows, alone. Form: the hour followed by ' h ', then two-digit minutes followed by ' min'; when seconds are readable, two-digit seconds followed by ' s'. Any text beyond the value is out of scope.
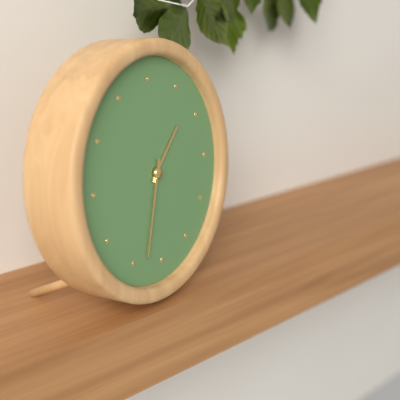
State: 1 h 33 min
